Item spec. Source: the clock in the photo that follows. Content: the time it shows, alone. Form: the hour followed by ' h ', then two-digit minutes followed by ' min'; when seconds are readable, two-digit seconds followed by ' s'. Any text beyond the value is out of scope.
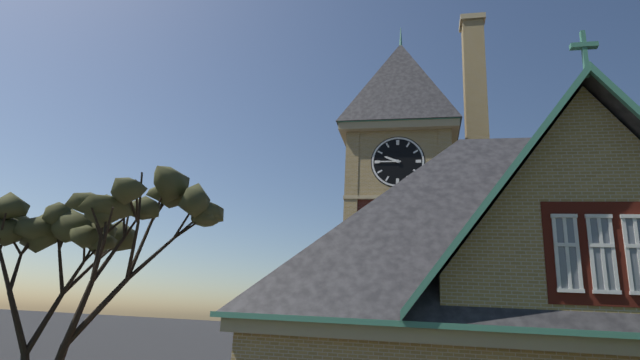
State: 9 h 45 min
